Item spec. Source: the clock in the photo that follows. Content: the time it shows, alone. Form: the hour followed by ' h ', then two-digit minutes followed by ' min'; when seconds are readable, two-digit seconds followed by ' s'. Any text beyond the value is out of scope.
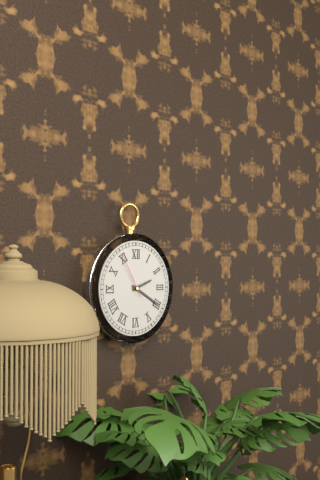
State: 2 h 20 min
